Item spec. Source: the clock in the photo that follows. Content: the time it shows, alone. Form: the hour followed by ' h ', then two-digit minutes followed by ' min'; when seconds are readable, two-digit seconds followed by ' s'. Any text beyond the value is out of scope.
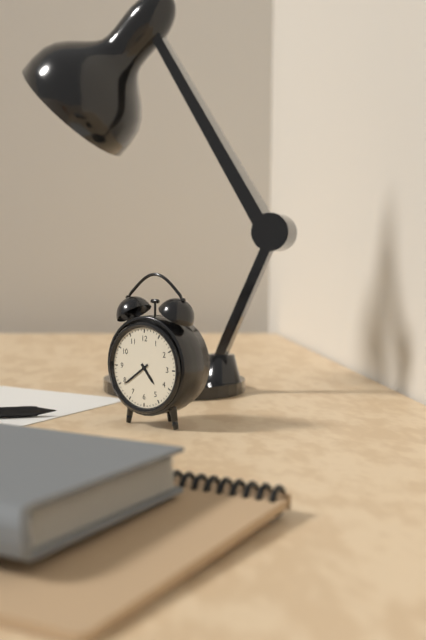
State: 4 h 39 min
